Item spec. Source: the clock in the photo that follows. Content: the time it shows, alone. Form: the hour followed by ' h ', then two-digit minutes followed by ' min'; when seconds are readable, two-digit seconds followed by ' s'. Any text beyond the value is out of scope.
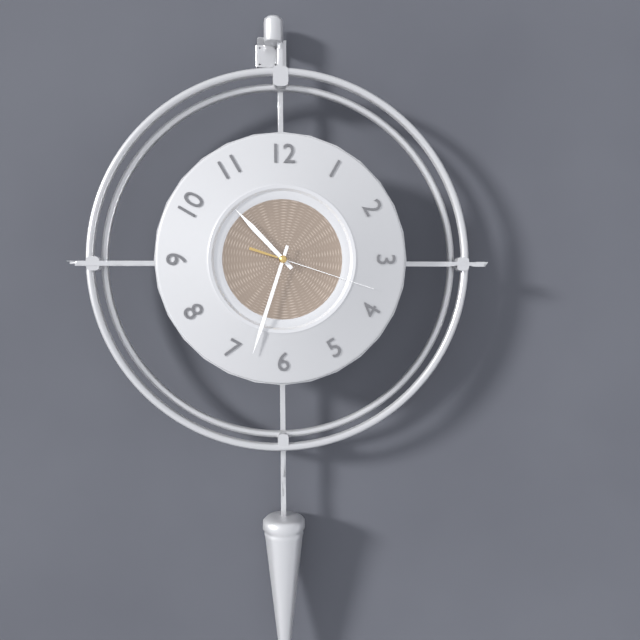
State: 10 h 33 min 18 s
